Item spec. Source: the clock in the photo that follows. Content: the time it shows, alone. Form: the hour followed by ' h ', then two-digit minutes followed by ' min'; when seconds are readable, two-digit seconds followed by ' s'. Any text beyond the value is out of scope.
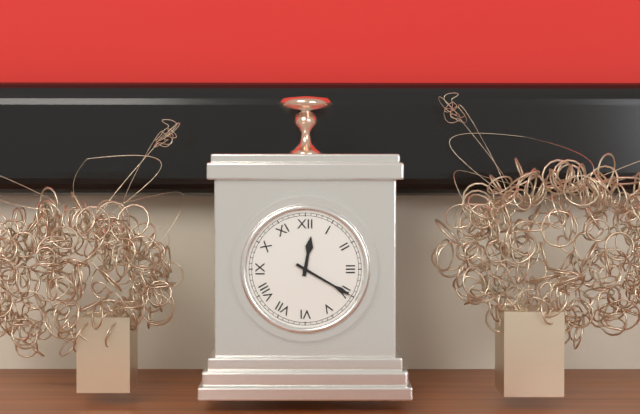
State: 12 h 20 min
